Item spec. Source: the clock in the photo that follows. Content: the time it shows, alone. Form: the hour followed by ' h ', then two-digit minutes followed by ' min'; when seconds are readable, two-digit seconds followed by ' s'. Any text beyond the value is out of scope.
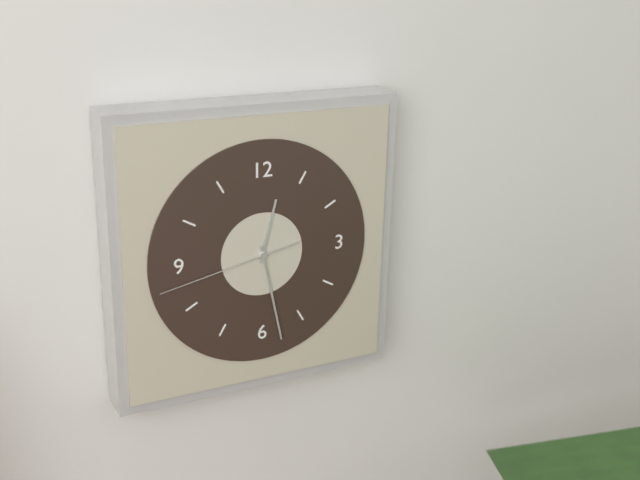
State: 12 h 28 min 43 s
